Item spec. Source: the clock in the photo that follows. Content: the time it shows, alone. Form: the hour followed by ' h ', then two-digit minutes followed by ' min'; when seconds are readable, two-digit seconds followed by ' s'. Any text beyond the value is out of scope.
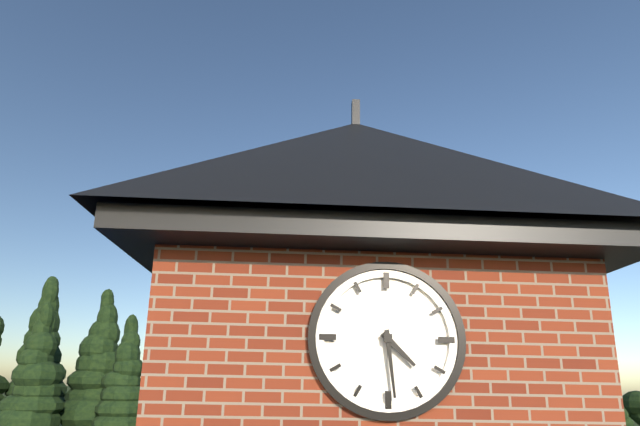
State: 4 h 29 min
